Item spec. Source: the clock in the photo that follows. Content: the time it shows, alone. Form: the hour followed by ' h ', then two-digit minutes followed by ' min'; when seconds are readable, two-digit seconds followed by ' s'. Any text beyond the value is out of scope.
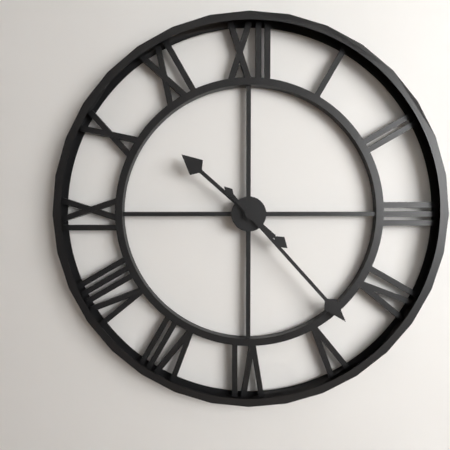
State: 10 h 23 min
